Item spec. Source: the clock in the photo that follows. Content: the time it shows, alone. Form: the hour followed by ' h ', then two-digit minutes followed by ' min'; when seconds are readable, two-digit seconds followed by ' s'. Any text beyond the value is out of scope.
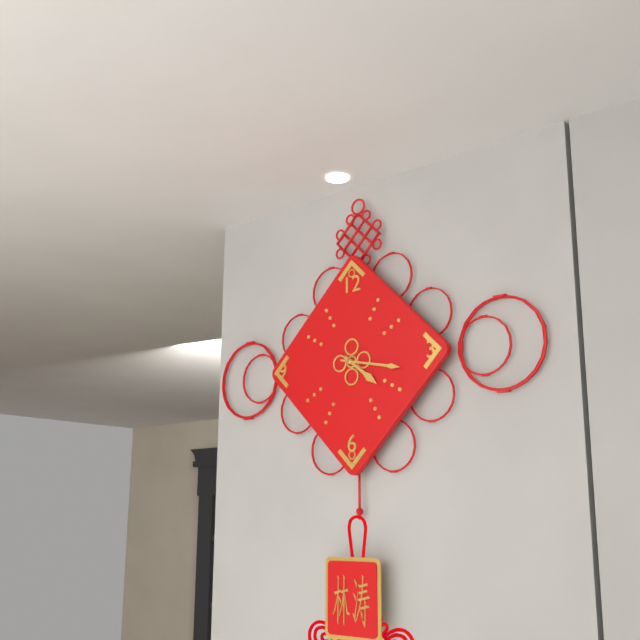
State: 4 h 17 min
